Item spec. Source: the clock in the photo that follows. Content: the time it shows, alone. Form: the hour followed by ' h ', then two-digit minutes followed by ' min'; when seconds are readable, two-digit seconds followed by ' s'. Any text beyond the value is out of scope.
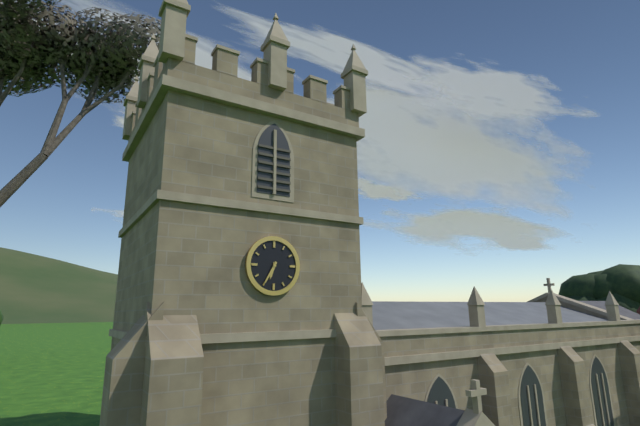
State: 6 h 35 min
